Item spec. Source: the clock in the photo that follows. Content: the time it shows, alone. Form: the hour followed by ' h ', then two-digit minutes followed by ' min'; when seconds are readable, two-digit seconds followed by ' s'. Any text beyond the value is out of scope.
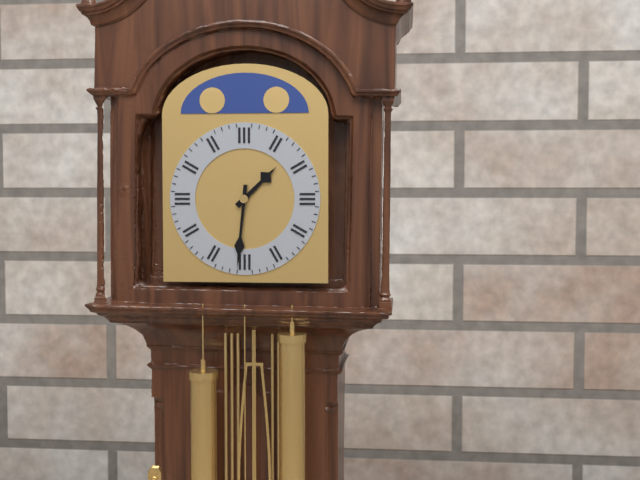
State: 1 h 31 min
